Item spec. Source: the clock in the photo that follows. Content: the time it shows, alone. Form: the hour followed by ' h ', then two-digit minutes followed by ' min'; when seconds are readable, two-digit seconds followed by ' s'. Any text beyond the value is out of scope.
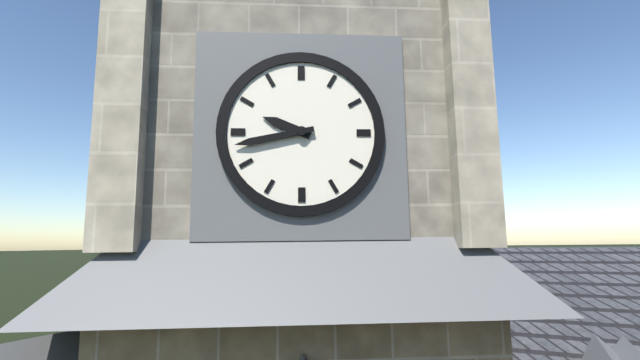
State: 9 h 43 min
